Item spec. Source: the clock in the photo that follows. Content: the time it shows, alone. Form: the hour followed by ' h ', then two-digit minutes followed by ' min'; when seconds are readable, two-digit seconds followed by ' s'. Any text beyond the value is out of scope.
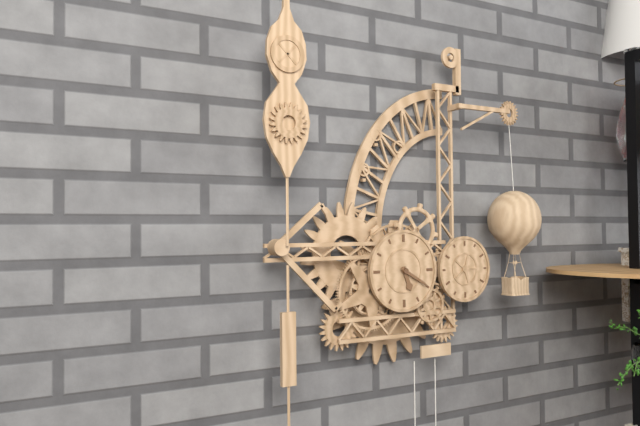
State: 5 h 20 min
